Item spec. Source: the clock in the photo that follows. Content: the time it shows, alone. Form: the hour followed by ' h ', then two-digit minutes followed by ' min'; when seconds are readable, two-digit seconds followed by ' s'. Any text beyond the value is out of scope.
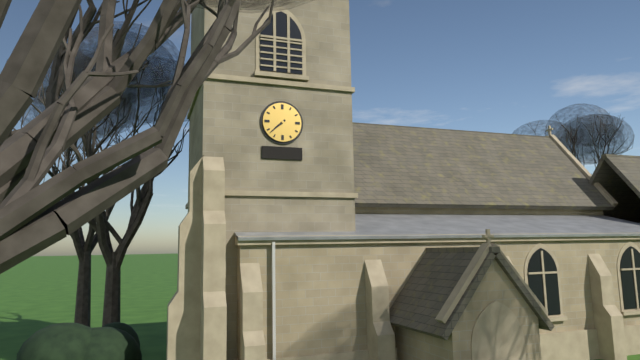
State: 7 h 38 min
